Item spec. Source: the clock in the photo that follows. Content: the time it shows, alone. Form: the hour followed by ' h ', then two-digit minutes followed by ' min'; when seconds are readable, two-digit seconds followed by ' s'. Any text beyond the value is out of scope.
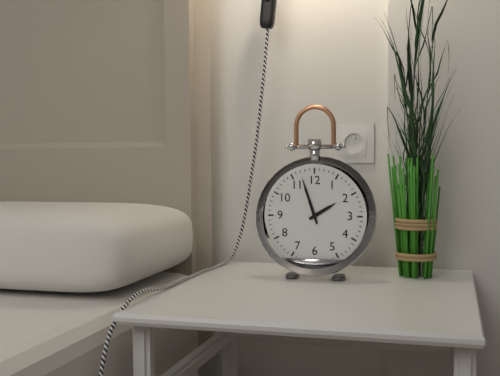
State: 1 h 57 min
